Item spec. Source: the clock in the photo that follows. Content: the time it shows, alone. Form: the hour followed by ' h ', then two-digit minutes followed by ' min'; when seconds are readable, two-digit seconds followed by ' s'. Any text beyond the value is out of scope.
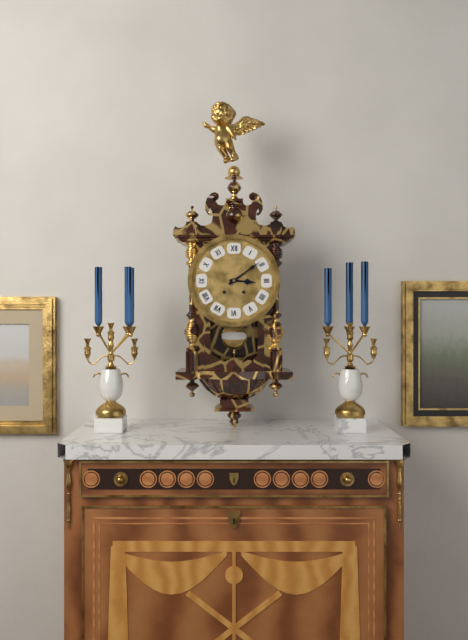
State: 3 h 09 min
